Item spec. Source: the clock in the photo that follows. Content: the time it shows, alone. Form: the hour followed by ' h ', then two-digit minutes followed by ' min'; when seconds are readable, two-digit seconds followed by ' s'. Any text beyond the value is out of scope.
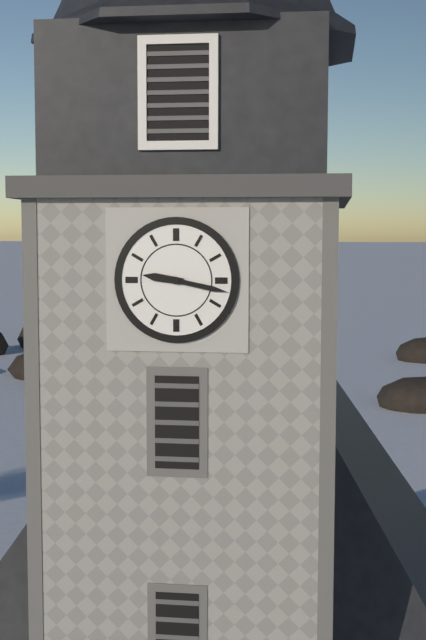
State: 9 h 17 min
